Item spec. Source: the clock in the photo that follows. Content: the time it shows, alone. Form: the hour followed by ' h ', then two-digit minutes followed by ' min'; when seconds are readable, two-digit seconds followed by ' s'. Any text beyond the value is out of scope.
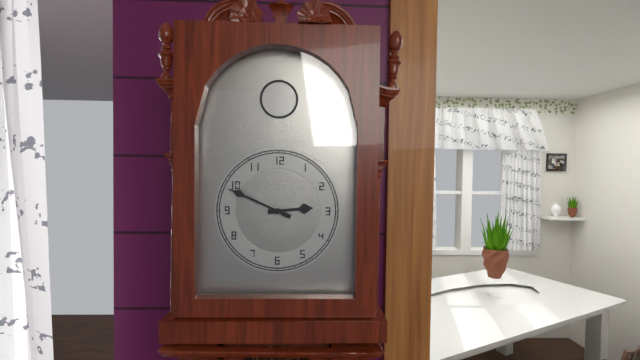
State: 2 h 49 min
